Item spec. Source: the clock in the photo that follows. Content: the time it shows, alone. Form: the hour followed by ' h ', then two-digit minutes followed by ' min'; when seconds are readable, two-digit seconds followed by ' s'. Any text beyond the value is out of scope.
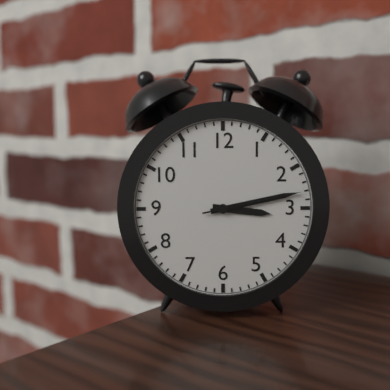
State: 3 h 13 min 13 s
